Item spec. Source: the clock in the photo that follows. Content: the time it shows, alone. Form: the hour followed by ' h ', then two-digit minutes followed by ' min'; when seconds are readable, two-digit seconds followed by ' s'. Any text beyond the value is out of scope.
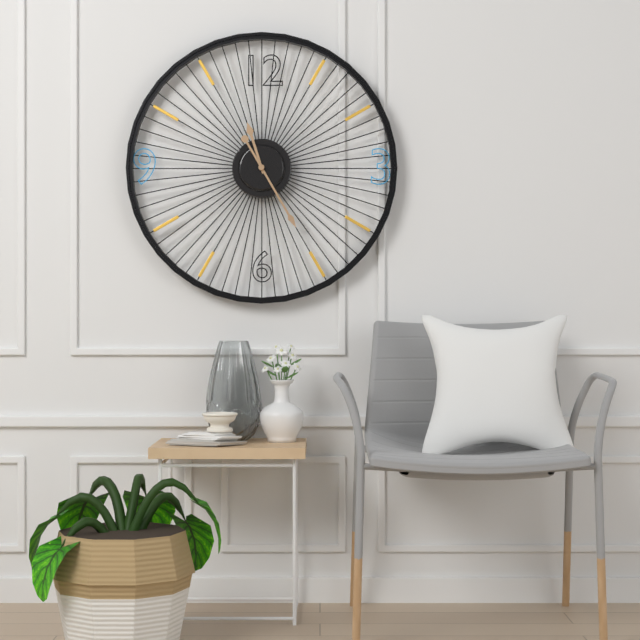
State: 11 h 25 min
